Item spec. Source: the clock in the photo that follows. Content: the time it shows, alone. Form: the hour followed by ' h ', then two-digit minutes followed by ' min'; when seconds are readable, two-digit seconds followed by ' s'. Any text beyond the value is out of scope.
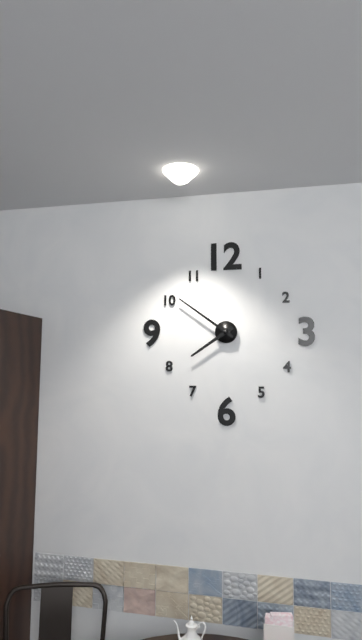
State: 7 h 51 min
